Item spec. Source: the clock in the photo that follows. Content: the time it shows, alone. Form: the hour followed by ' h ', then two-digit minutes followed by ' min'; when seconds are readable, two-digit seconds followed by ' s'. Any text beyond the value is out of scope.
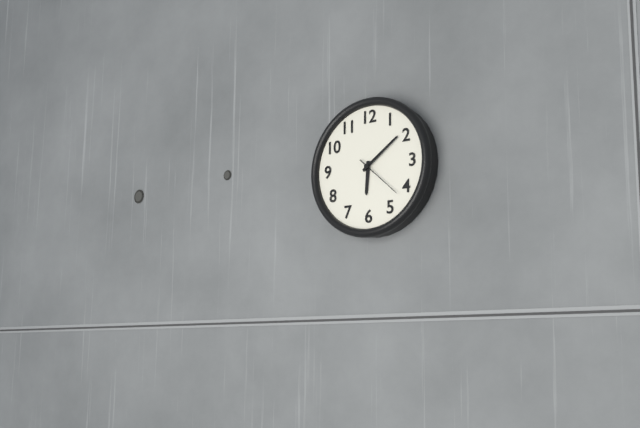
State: 6 h 09 min
